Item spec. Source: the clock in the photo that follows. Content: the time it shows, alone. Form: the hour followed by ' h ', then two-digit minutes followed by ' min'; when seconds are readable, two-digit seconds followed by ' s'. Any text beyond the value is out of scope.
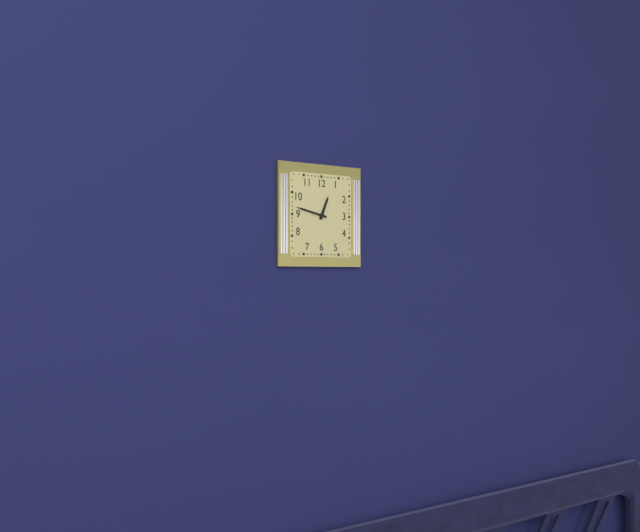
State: 12 h 47 min
